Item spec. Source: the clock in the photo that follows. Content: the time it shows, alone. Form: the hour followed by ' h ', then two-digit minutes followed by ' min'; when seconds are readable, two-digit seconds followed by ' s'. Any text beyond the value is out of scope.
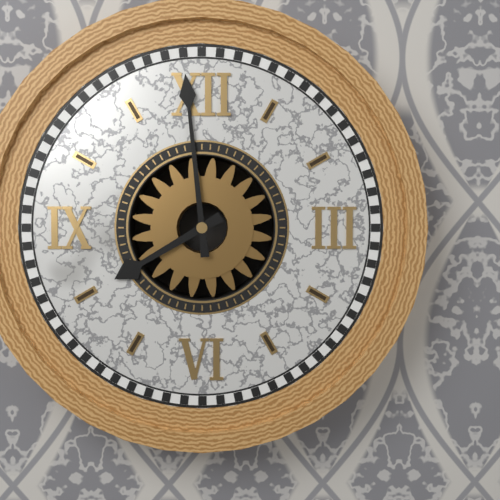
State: 7 h 59 min
